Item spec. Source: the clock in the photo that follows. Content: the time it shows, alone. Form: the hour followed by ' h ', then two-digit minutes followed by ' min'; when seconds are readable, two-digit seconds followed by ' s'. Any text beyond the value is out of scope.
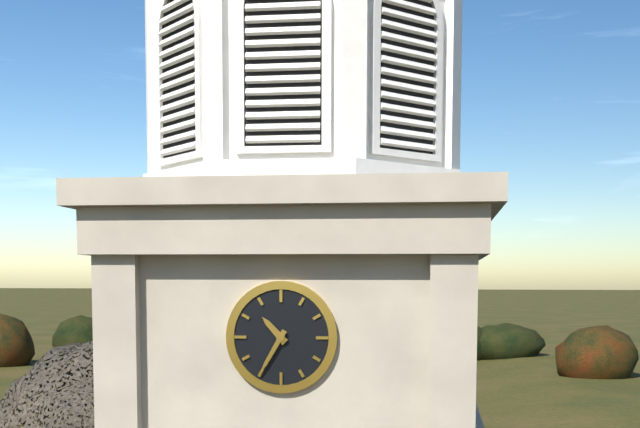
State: 10 h 35 min
